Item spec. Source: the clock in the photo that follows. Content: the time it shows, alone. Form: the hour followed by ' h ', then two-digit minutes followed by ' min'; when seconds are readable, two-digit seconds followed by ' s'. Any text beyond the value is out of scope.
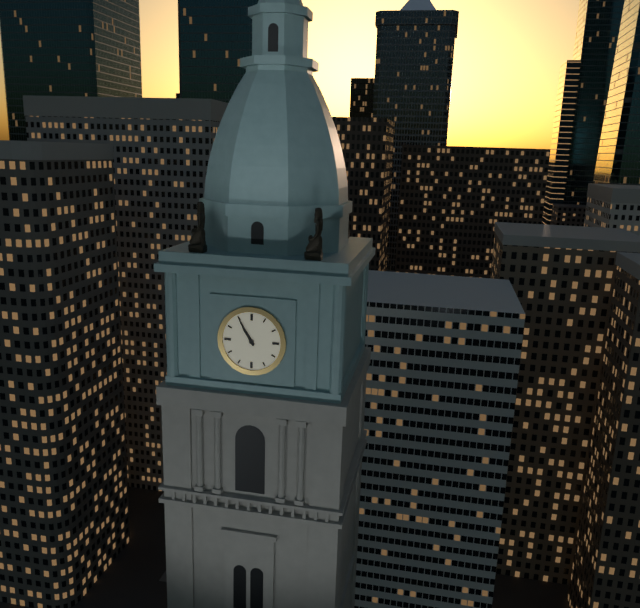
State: 10 h 55 min
